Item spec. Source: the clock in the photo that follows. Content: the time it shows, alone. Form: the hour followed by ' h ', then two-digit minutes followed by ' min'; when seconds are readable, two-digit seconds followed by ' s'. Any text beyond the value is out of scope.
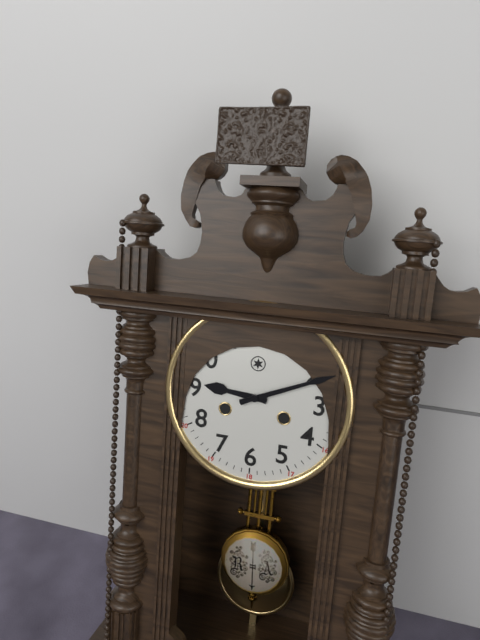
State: 9 h 11 min
